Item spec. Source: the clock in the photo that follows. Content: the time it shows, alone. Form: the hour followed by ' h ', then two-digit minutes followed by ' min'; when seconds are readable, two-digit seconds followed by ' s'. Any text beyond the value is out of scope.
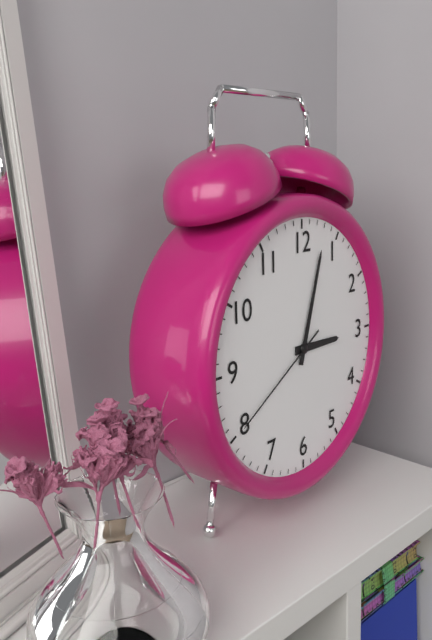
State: 3 h 03 min 40 s
